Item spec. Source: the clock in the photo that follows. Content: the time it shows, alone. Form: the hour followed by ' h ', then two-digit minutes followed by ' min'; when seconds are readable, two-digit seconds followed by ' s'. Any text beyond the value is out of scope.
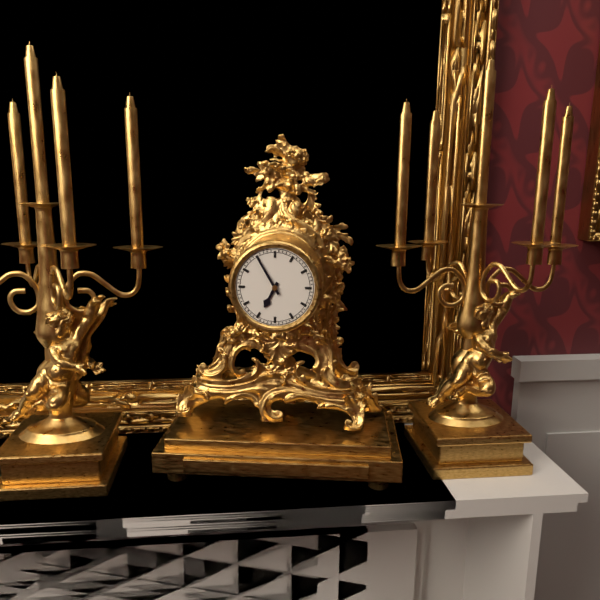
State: 6 h 55 min
